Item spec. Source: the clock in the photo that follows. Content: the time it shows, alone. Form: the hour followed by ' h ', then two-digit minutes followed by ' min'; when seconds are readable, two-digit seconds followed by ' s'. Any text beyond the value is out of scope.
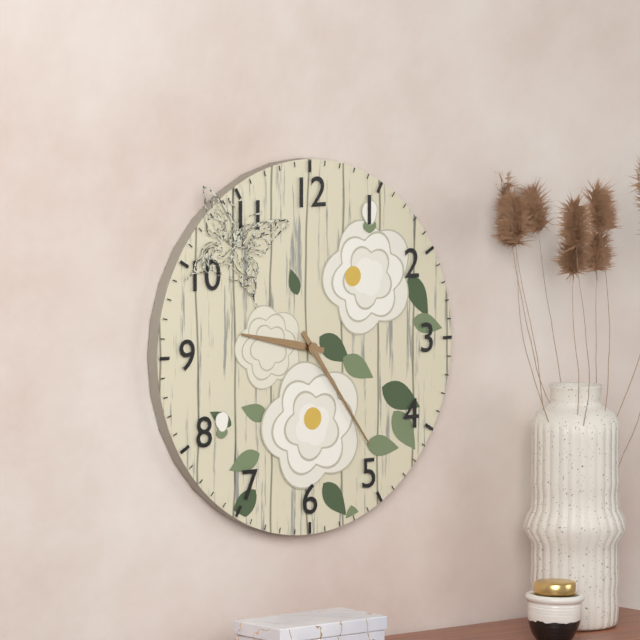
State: 9 h 24 min
